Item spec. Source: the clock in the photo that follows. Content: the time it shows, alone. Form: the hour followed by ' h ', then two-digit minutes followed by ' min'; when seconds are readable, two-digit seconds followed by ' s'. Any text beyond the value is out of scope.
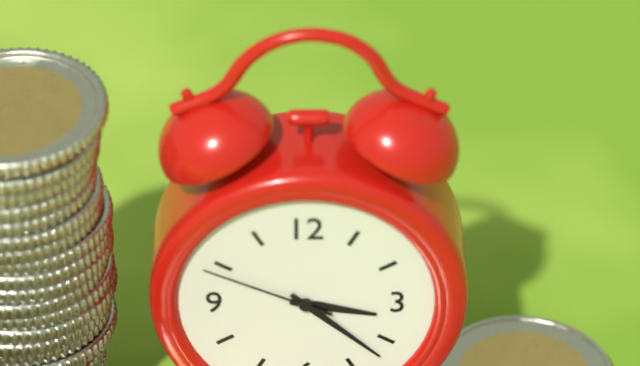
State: 3 h 22 min 49 s
